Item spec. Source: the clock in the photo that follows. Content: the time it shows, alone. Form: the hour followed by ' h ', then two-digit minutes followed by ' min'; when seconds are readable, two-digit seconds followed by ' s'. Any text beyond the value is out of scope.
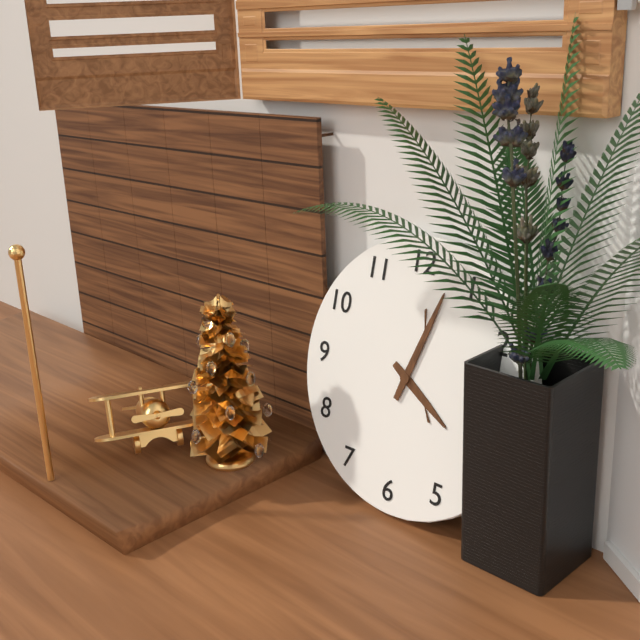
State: 4 h 03 min
